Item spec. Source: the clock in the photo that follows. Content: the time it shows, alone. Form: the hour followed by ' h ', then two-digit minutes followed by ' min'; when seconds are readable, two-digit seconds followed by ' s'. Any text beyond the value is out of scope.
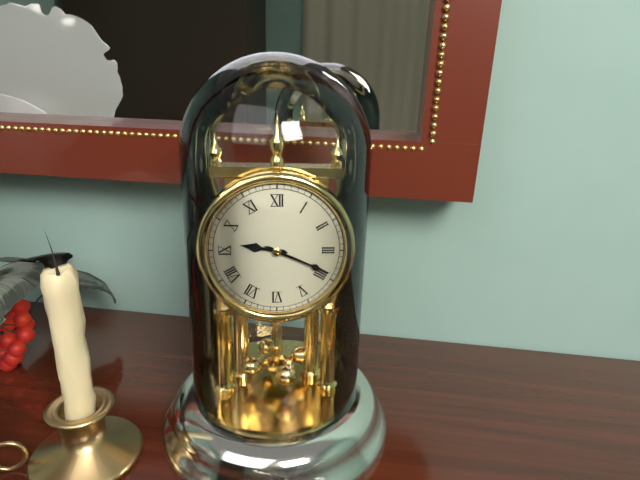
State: 9 h 19 min
